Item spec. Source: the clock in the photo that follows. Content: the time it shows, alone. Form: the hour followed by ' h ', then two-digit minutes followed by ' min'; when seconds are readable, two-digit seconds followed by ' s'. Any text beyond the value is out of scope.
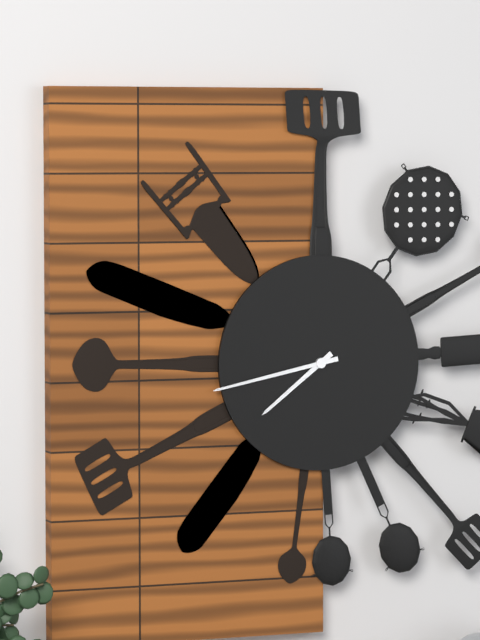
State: 7 h 43 min
